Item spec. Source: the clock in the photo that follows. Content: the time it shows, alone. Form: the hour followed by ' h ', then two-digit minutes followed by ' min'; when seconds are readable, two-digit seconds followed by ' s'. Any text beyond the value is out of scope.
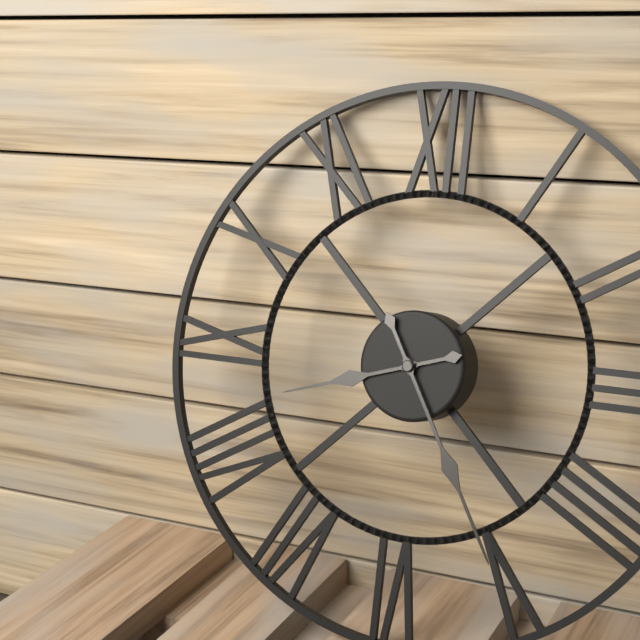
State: 8 h 25 min
